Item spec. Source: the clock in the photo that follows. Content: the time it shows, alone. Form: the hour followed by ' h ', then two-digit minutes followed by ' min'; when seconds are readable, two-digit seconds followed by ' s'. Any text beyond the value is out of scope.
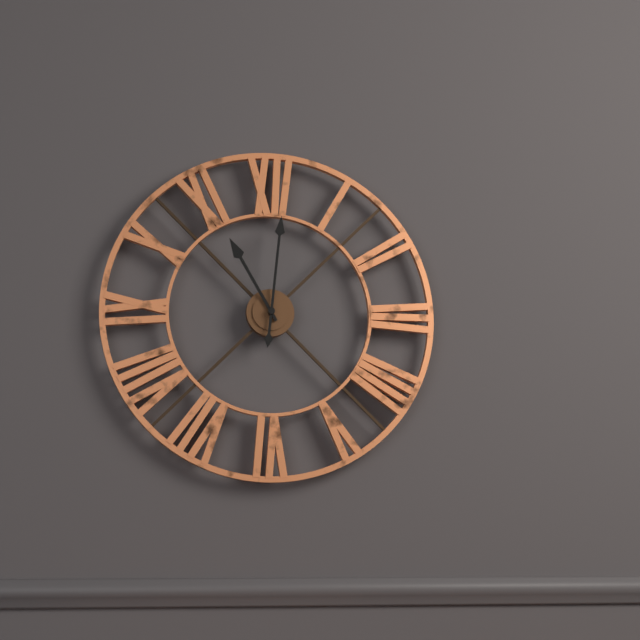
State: 11 h 01 min
